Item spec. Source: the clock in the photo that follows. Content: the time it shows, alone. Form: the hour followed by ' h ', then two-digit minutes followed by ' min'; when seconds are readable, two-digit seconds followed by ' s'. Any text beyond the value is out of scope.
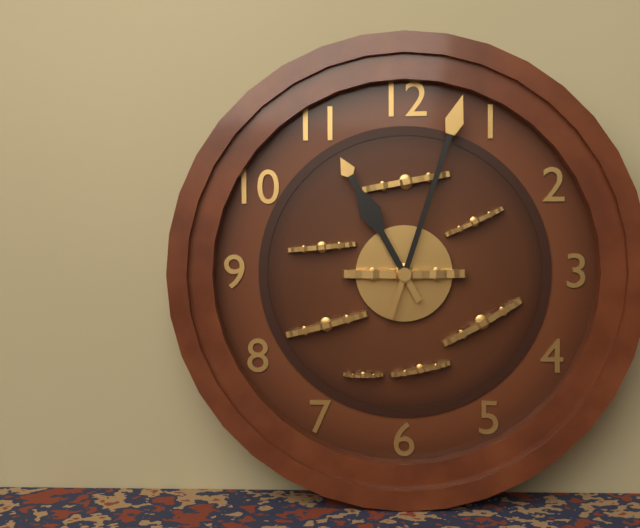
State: 11 h 03 min
